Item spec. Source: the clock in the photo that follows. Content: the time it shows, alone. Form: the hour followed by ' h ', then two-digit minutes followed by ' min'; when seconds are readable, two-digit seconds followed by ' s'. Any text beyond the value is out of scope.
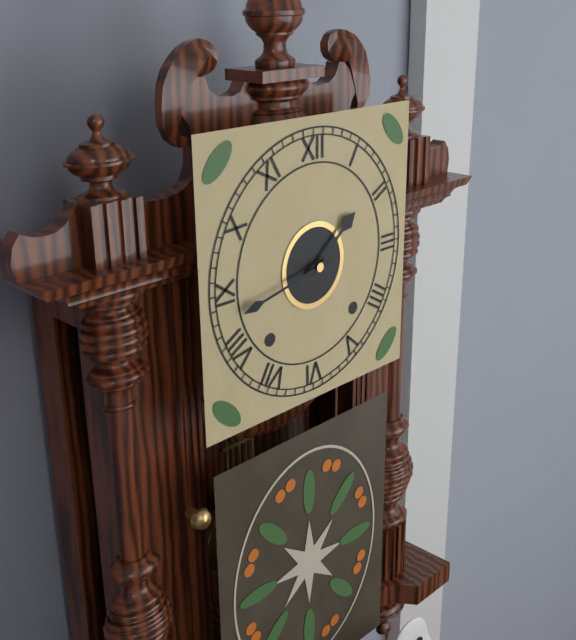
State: 1 h 43 min
